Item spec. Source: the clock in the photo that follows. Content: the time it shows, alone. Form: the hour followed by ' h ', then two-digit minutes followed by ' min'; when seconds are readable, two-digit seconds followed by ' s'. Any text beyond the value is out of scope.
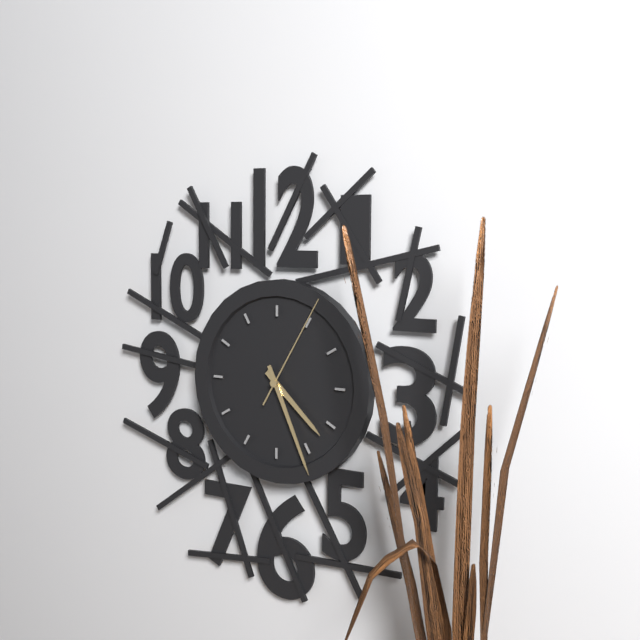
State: 4 h 26 min 05 s
